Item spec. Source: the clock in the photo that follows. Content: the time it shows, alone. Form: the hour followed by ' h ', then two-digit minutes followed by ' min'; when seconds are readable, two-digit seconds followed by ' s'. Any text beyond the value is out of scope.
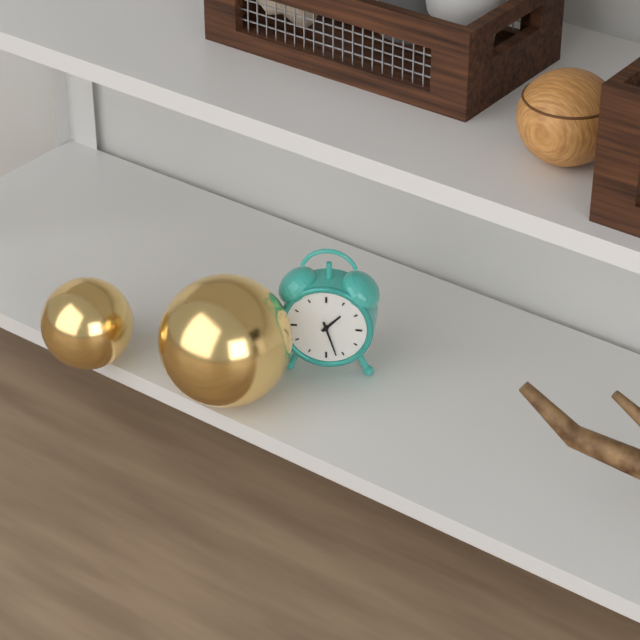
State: 1 h 27 min
